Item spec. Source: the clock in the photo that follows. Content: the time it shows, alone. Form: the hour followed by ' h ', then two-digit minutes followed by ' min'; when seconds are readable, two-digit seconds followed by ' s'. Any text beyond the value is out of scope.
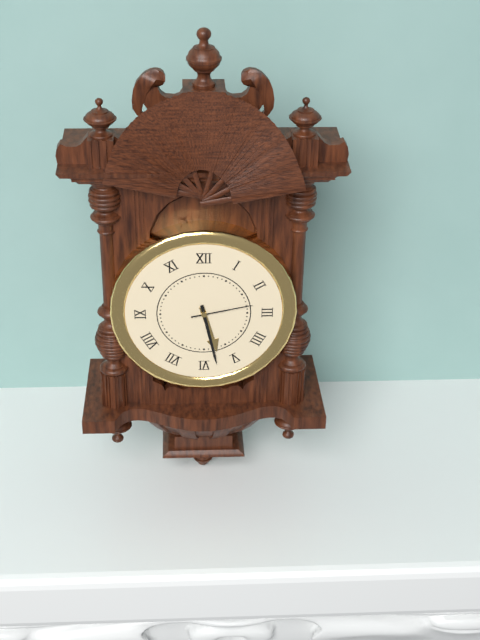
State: 5 h 28 min 13 s
